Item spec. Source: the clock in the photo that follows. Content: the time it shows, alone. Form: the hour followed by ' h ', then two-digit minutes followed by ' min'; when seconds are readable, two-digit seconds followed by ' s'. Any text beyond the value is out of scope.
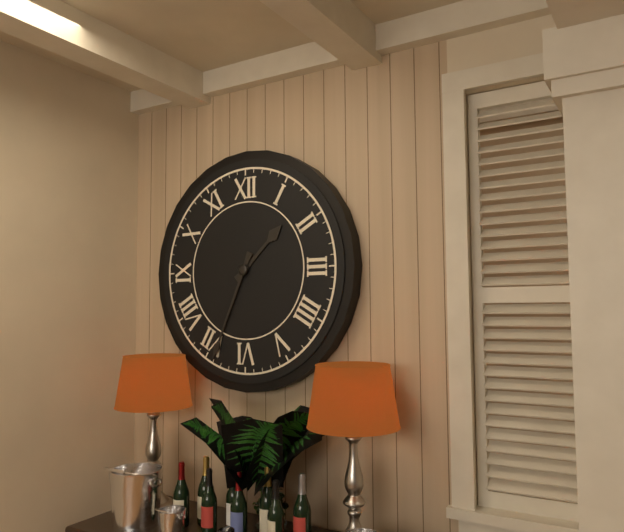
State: 1 h 34 min
